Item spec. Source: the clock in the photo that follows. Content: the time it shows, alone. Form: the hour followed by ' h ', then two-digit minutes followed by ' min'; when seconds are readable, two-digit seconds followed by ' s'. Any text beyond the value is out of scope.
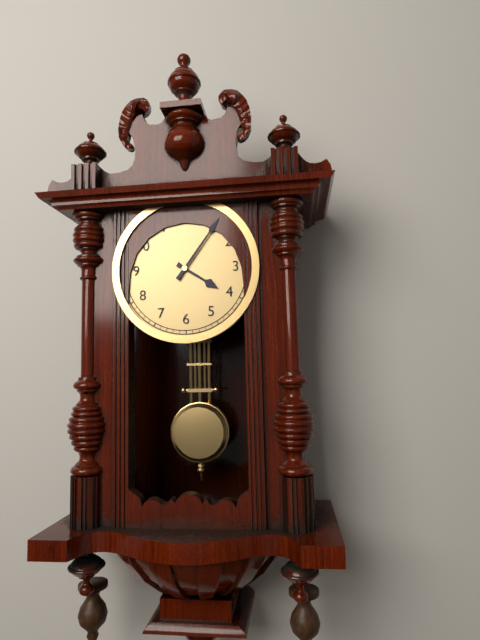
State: 4 h 06 min
